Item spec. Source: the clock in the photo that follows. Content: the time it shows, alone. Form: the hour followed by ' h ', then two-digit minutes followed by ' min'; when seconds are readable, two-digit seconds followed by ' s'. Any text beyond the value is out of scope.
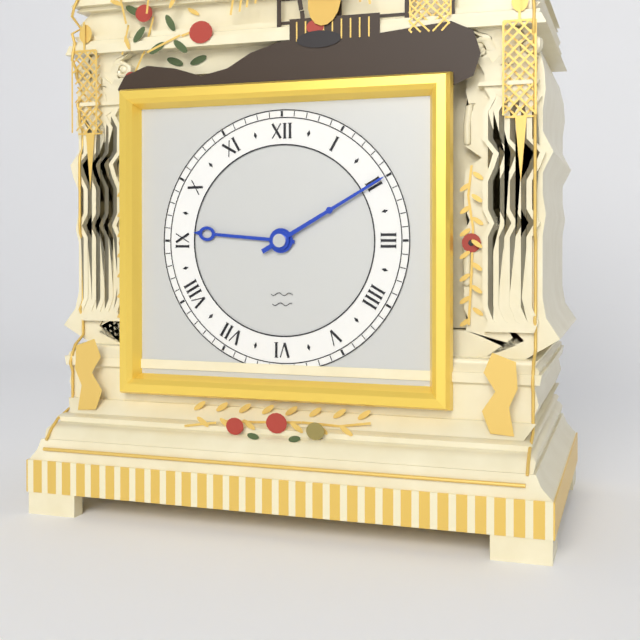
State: 9 h 10 min
